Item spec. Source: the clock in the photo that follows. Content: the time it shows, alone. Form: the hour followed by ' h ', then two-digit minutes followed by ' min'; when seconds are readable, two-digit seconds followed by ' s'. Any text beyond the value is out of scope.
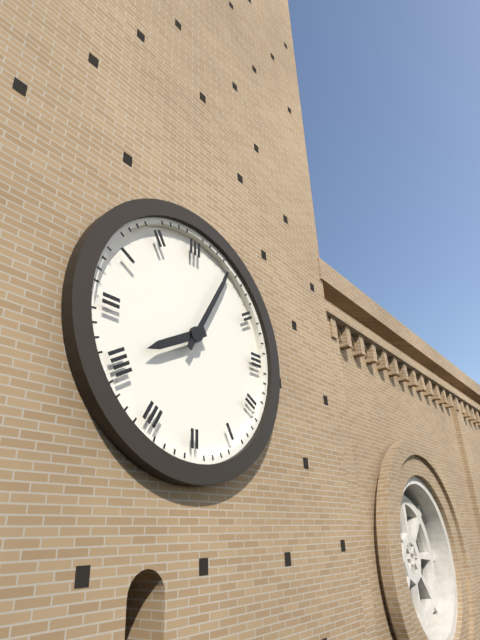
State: 8 h 05 min
